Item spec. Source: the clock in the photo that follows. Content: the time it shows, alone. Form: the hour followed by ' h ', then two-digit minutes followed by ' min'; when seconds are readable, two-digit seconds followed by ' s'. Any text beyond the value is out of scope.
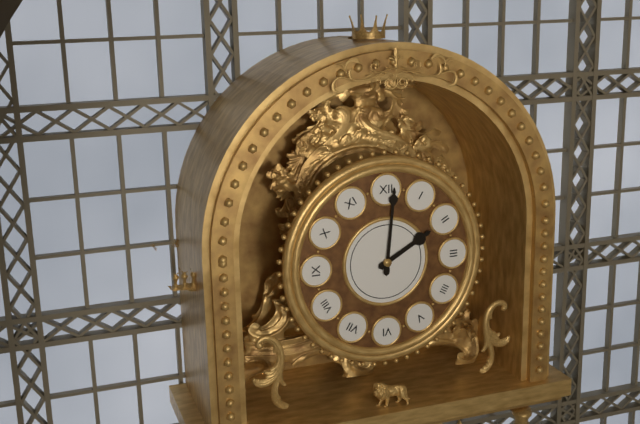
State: 2 h 01 min
